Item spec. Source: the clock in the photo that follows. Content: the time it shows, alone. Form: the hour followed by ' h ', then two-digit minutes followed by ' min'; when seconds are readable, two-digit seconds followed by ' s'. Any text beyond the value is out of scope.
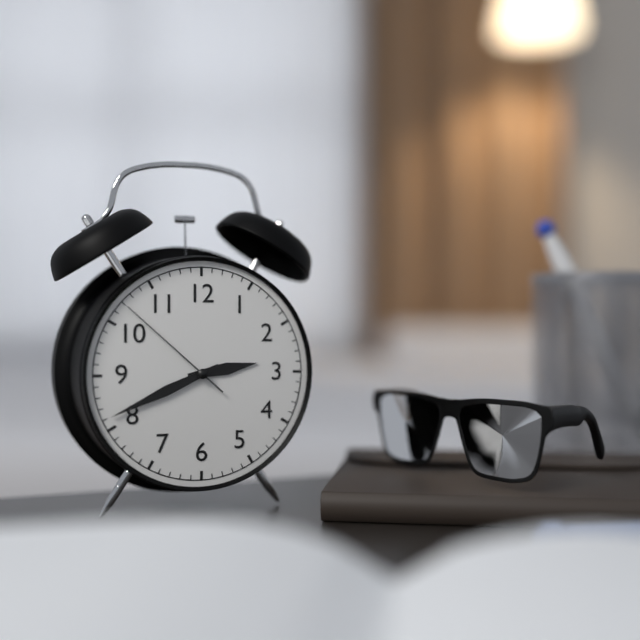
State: 2 h 41 min 52 s
